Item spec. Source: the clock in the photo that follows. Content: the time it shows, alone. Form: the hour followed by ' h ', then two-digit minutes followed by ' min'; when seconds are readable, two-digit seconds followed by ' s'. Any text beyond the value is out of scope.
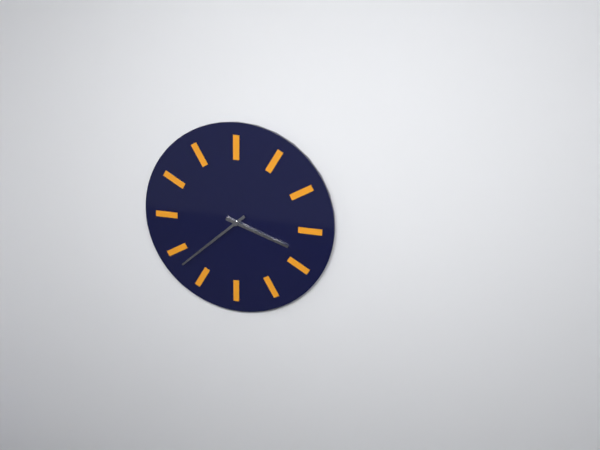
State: 3 h 38 min
